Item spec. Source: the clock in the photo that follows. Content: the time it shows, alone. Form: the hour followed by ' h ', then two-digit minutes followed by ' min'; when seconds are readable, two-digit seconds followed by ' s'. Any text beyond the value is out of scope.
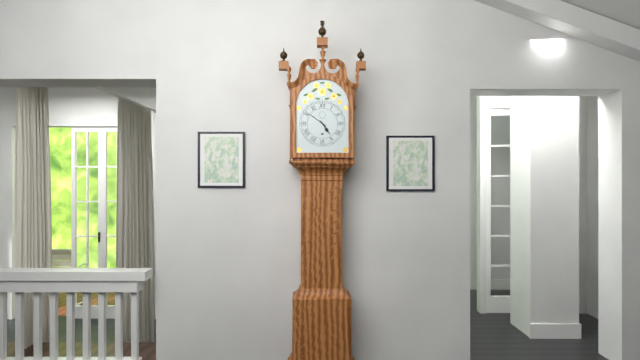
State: 4 h 51 min
